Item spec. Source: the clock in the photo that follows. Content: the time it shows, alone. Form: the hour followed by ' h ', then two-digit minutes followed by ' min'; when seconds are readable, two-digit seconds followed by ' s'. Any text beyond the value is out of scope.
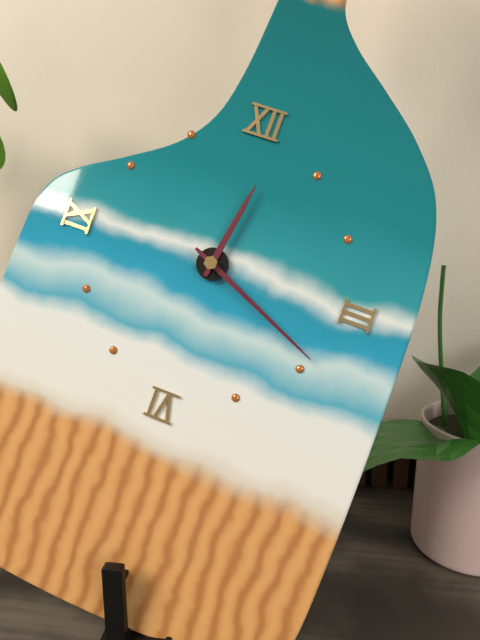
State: 12 h 19 min
